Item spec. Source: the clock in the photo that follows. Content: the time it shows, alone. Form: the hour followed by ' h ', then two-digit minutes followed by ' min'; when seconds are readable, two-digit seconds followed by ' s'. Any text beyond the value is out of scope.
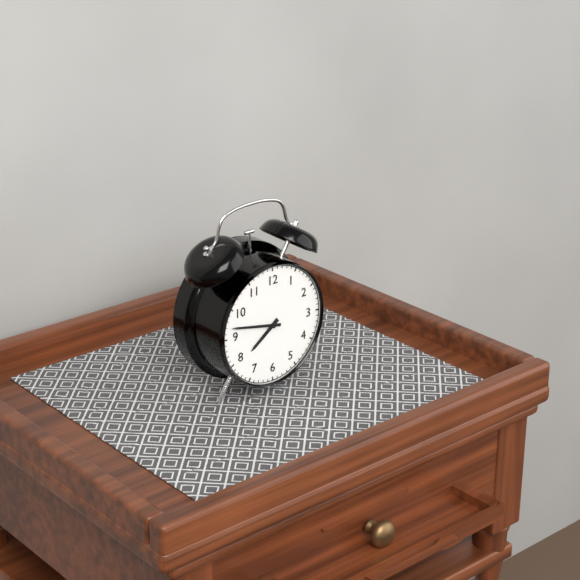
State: 7 h 47 min
